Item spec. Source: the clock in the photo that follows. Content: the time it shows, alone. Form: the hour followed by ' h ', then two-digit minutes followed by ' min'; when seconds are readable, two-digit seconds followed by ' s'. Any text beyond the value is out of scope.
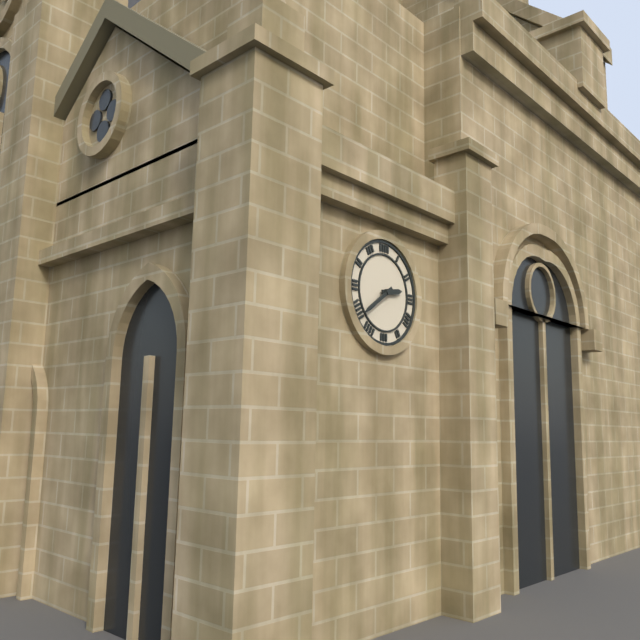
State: 2 h 39 min
